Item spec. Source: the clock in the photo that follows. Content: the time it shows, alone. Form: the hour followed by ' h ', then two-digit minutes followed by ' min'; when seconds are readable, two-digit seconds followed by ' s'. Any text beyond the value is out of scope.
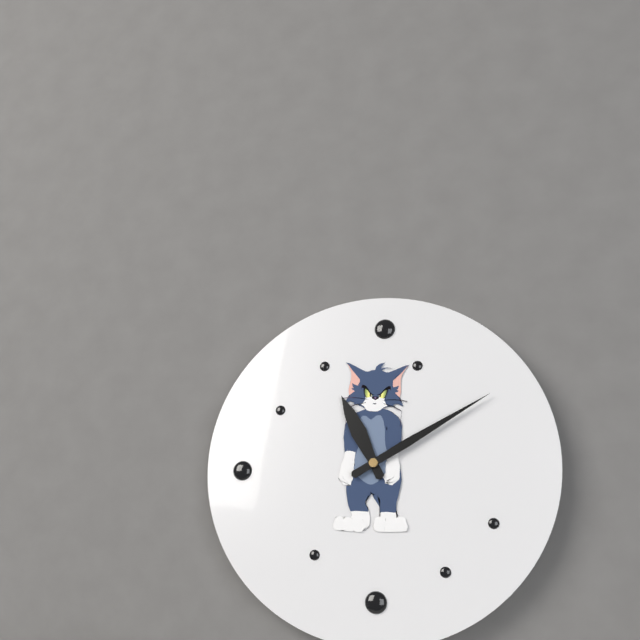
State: 11 h 10 min
